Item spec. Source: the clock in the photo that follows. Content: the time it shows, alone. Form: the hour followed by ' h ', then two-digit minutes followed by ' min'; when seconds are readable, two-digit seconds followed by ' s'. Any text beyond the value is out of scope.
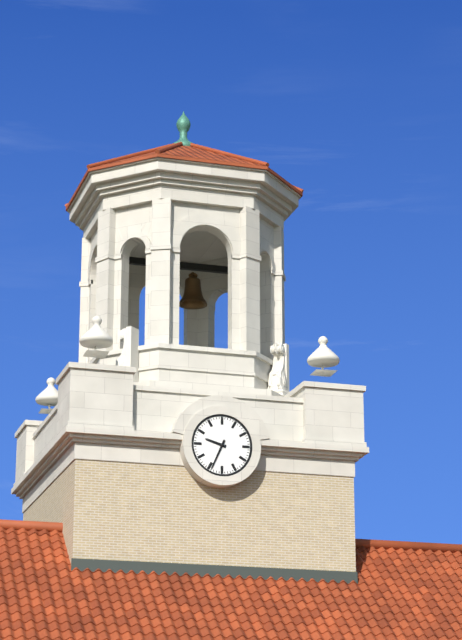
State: 9 h 34 min
